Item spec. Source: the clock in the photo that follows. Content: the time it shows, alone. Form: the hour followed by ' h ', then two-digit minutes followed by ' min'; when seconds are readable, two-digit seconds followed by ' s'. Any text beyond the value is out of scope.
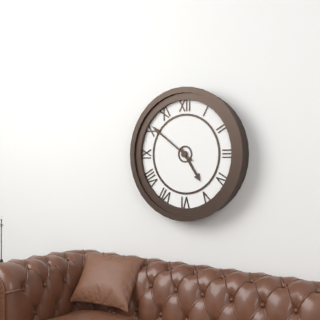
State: 4 h 51 min
